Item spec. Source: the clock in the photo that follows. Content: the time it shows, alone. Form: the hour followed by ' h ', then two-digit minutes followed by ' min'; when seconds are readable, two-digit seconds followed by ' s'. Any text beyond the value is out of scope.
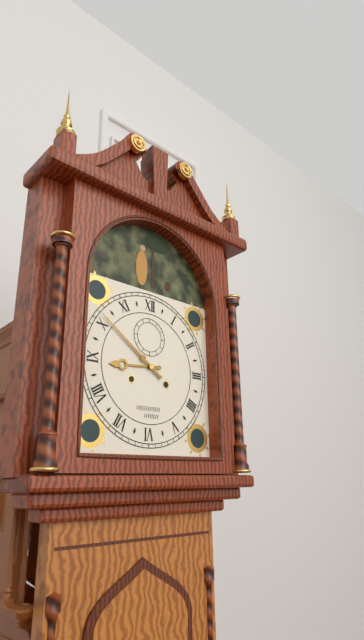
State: 8 h 51 min
